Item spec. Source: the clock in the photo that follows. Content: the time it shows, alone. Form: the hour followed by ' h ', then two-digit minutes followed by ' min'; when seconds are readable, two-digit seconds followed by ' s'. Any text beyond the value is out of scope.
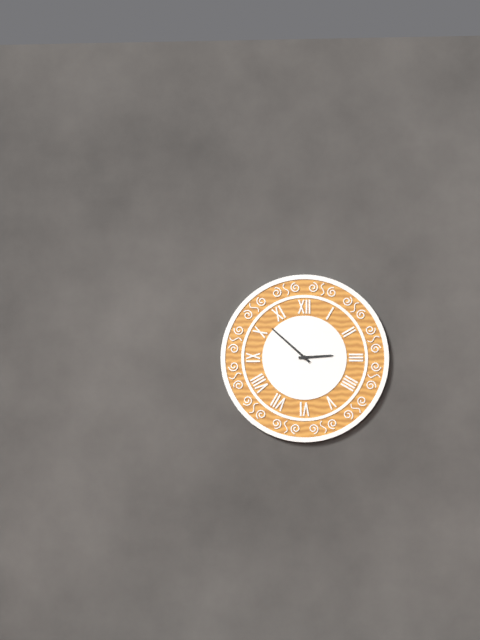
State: 2 h 52 min
